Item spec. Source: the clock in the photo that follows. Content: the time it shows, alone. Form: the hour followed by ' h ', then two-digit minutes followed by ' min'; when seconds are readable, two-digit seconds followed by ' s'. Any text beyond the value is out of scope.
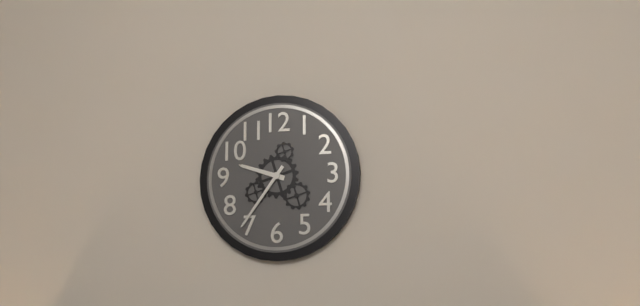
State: 9 h 36 min
